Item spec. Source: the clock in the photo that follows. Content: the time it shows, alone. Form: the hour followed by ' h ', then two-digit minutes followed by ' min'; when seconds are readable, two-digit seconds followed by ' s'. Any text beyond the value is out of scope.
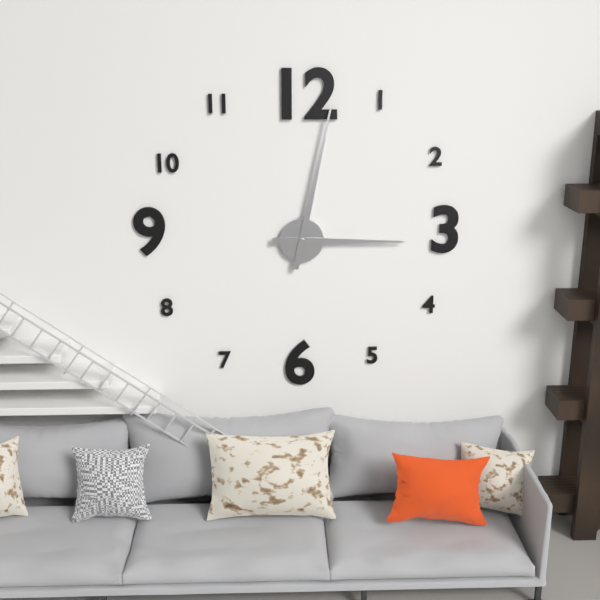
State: 3 h 02 min
